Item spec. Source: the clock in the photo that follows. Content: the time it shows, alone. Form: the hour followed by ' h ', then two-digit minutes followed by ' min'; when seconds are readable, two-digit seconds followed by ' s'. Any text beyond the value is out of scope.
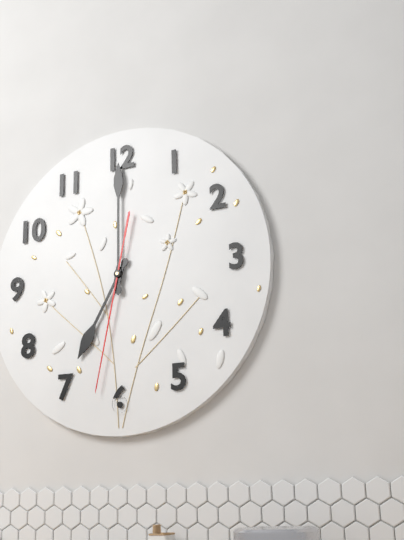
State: 7 h 00 min 32 s
